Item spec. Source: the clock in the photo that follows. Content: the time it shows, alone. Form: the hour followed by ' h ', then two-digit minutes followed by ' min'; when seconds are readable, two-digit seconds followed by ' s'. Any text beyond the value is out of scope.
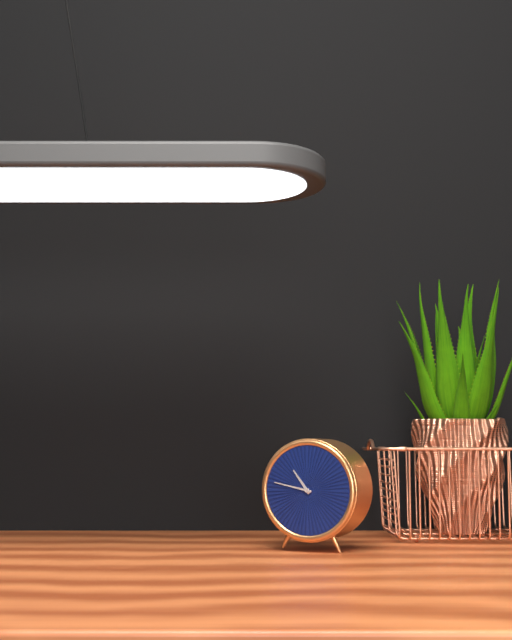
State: 10 h 47 min
